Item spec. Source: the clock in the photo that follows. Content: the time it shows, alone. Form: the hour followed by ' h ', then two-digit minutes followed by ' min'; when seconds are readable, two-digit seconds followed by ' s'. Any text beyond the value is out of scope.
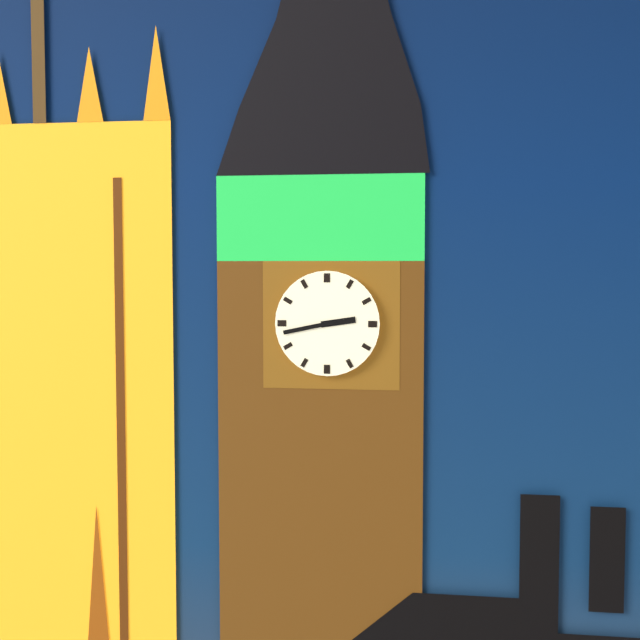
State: 2 h 43 min
